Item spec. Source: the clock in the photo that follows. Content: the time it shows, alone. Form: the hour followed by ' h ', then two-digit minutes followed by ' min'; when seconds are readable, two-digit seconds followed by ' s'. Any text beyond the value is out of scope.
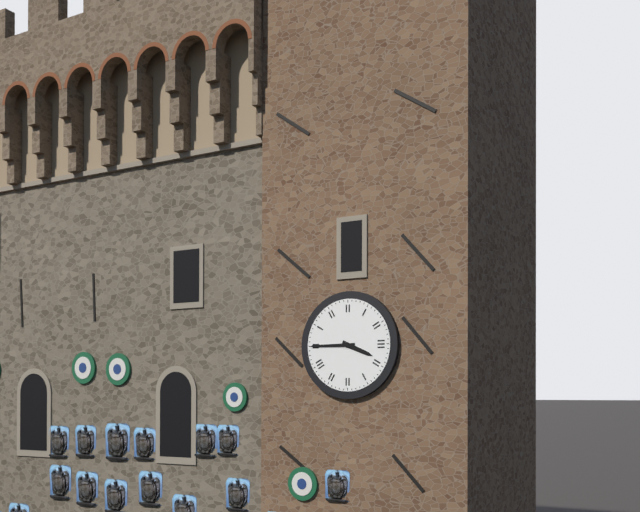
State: 3 h 45 min
